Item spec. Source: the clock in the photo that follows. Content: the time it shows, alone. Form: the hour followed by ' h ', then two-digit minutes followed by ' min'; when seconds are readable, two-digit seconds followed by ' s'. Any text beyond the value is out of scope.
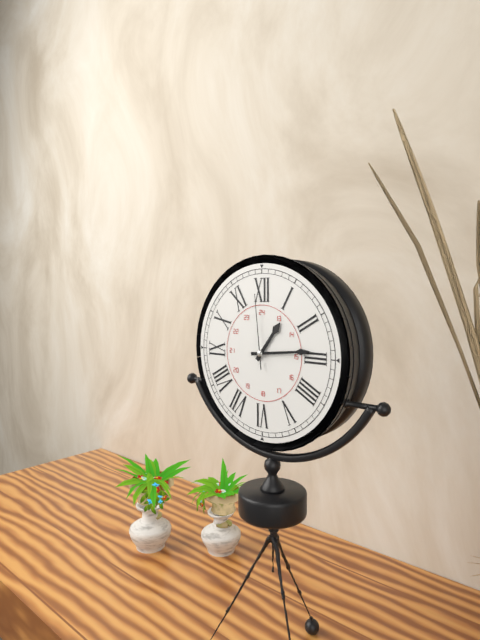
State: 1 h 14 min 59 s
